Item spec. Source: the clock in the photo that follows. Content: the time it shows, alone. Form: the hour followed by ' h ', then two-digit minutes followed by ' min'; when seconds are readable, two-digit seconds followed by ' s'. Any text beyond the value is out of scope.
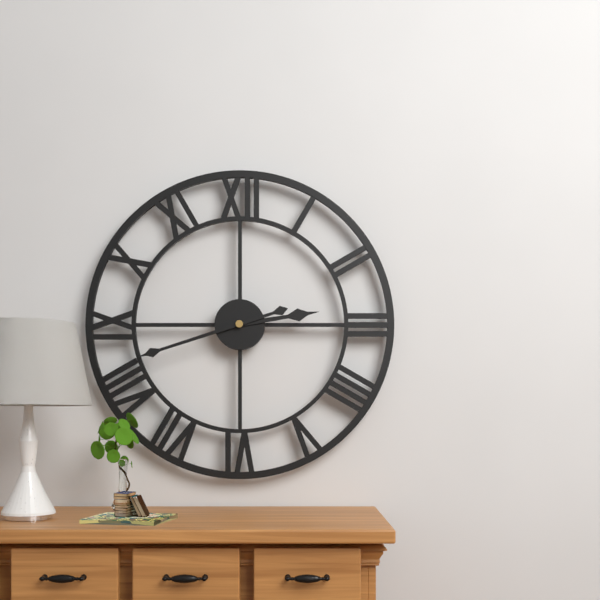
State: 2 h 42 min
